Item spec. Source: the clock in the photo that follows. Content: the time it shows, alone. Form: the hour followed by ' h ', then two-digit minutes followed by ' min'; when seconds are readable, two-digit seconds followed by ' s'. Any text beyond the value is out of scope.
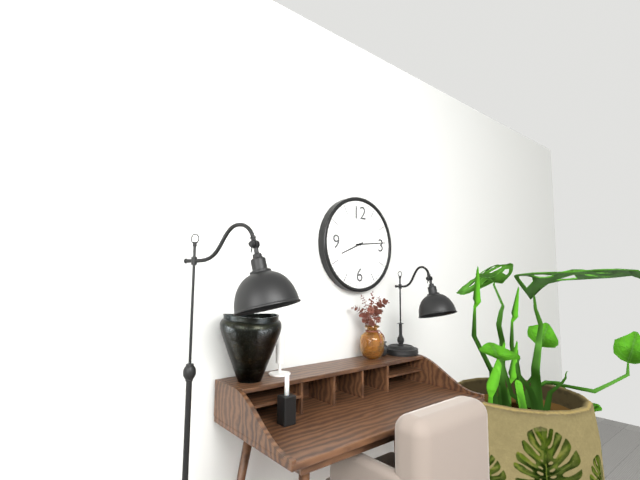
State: 8 h 14 min
